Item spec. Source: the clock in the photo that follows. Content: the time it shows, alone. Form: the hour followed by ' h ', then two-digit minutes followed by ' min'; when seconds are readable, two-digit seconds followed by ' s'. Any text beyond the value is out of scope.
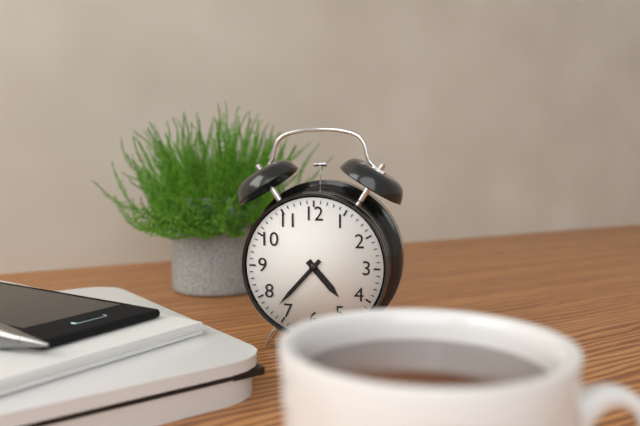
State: 4 h 37 min
